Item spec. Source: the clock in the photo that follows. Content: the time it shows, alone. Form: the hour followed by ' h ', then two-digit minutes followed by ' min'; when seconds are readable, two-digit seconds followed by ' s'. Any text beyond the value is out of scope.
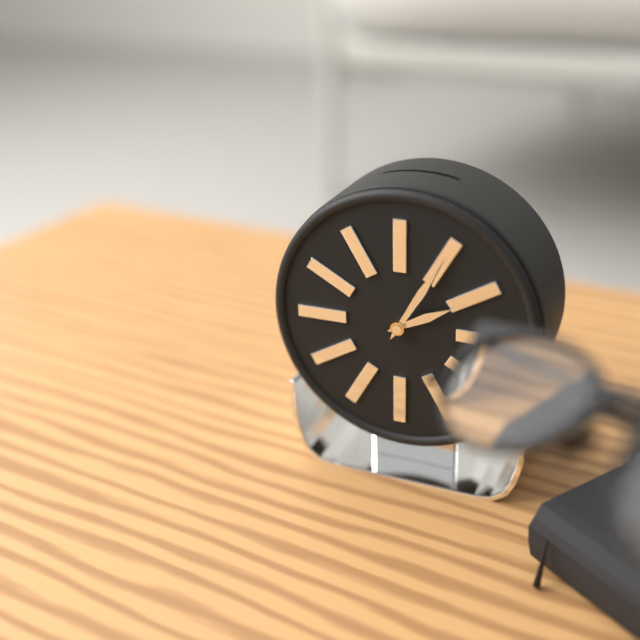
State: 2 h 05 min
